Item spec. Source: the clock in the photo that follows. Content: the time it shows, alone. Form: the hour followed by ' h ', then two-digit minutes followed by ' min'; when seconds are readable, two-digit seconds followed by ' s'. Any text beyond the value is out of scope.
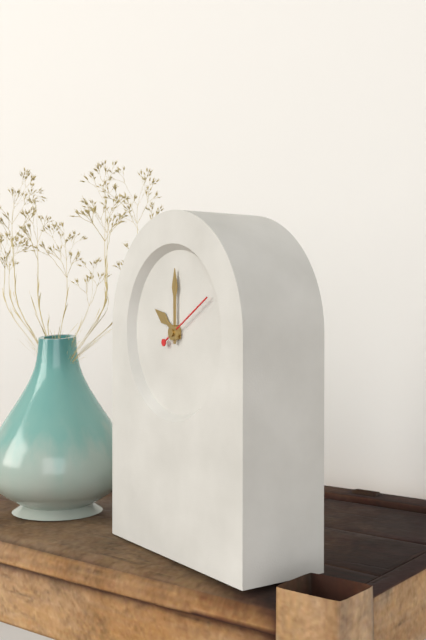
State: 10 h 00 min 10 s
